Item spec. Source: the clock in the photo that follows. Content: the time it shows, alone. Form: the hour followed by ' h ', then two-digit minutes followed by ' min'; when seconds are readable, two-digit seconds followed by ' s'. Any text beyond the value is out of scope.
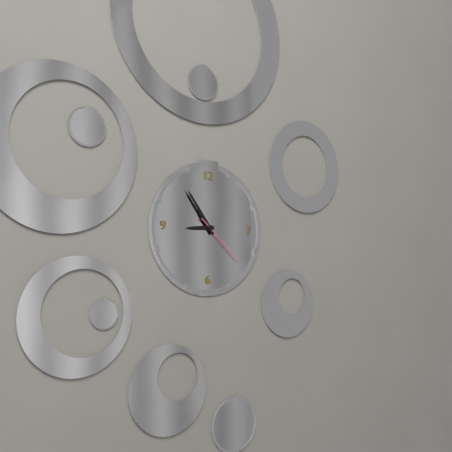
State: 8 h 54 min 22 s
